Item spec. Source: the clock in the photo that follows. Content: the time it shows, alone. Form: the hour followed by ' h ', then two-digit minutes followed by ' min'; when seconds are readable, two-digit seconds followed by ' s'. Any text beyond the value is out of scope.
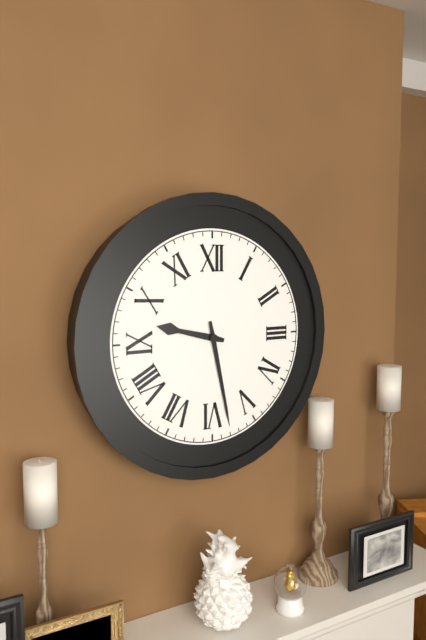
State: 9 h 28 min
